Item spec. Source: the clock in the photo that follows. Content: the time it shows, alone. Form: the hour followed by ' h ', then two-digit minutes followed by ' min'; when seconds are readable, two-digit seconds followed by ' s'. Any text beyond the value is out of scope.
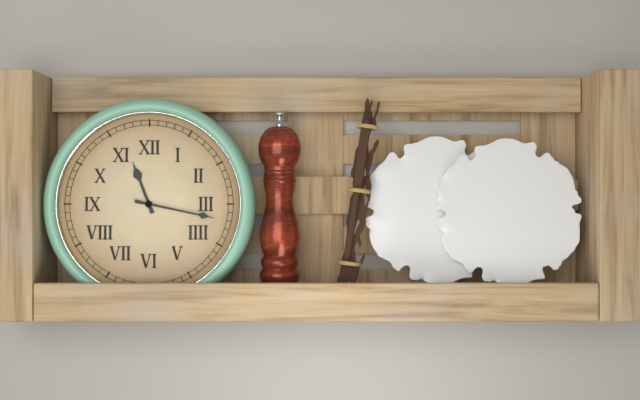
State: 11 h 17 min
